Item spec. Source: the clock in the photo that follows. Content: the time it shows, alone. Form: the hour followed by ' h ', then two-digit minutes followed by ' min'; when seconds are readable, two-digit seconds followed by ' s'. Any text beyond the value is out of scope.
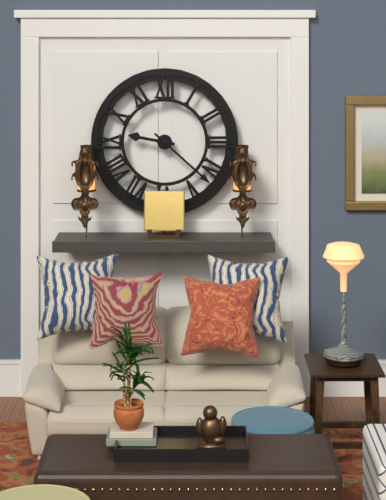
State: 9 h 22 min
